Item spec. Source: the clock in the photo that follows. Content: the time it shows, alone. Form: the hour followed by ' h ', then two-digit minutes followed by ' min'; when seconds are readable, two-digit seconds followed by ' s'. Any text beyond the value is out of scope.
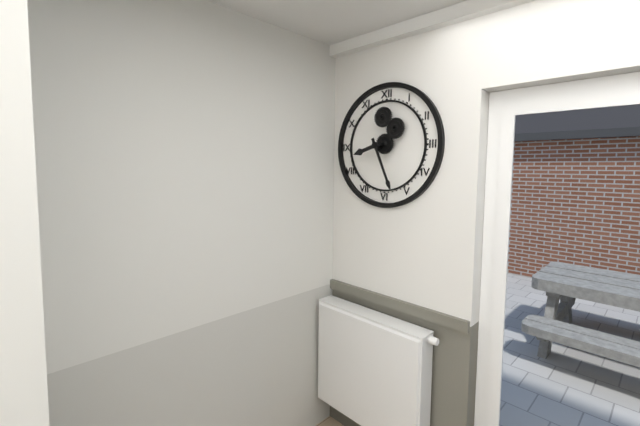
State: 8 h 26 min
